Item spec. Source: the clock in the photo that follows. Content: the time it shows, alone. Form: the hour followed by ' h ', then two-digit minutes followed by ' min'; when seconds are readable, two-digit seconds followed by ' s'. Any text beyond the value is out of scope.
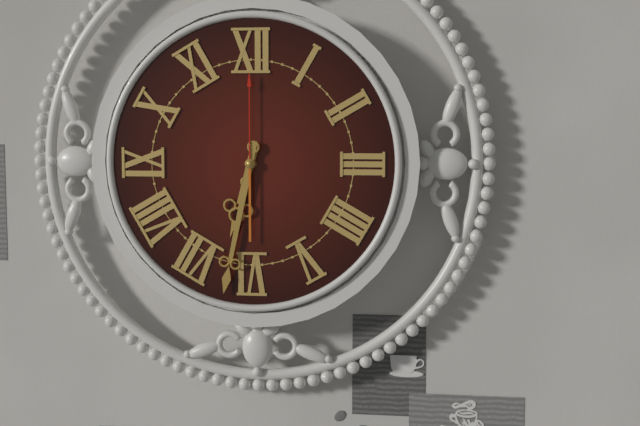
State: 6 h 32 min 00 s
